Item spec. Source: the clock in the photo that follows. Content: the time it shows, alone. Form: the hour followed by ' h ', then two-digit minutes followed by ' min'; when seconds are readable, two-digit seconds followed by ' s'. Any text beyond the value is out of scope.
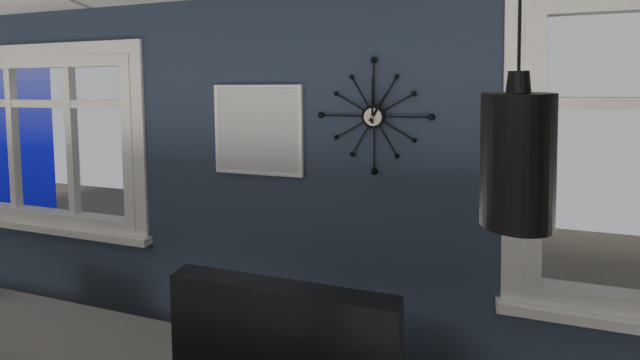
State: 1 h 00 min
